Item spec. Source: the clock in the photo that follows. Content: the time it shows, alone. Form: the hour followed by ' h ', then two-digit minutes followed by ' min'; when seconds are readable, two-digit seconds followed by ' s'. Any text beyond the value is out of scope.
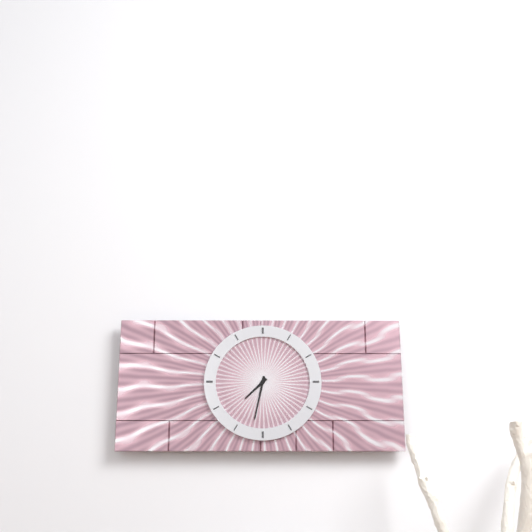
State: 7 h 32 min
